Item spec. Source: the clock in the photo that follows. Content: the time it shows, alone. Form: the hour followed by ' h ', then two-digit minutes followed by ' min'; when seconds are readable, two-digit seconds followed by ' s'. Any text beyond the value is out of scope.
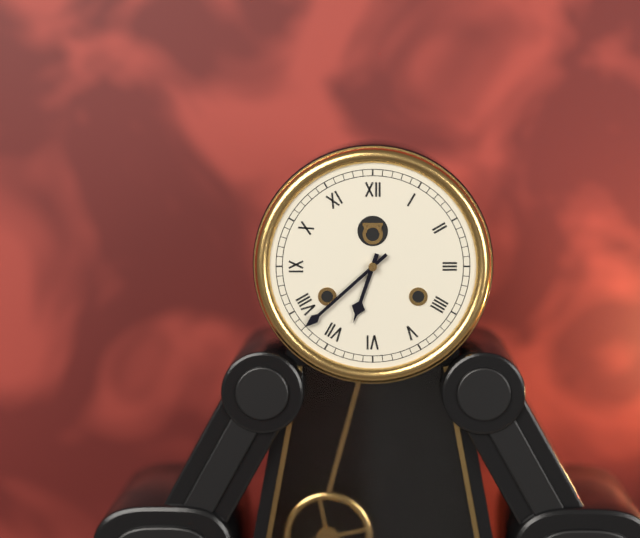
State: 6 h 38 min
